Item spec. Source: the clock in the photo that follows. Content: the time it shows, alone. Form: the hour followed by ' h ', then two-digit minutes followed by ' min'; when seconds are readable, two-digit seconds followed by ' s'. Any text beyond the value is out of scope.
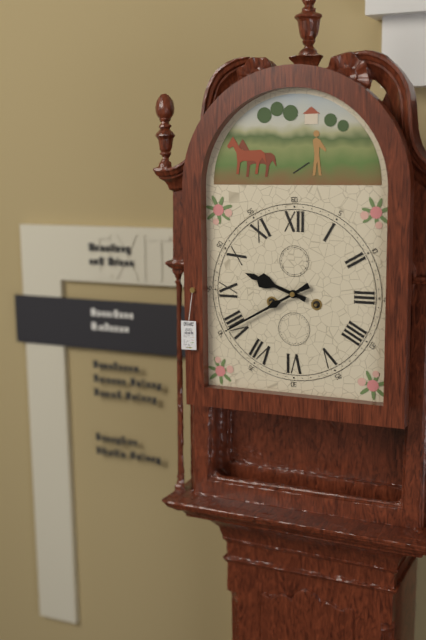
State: 9 h 40 min
